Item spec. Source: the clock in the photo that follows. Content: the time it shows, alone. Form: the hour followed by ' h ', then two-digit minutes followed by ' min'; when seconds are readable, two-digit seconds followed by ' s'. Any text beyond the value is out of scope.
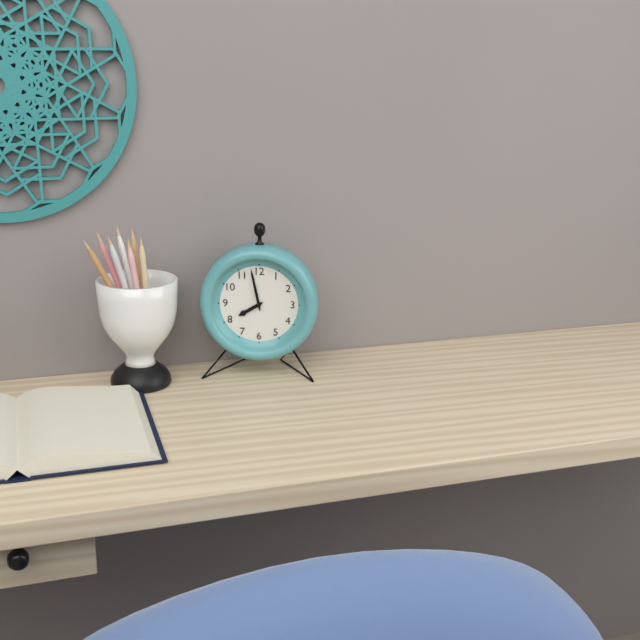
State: 7 h 58 min
